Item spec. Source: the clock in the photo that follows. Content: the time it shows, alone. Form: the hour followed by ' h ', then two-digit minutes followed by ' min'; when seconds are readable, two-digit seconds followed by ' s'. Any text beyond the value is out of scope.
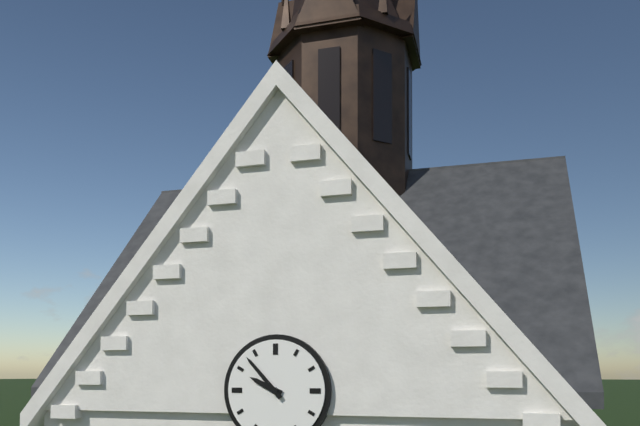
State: 9 h 53 min
